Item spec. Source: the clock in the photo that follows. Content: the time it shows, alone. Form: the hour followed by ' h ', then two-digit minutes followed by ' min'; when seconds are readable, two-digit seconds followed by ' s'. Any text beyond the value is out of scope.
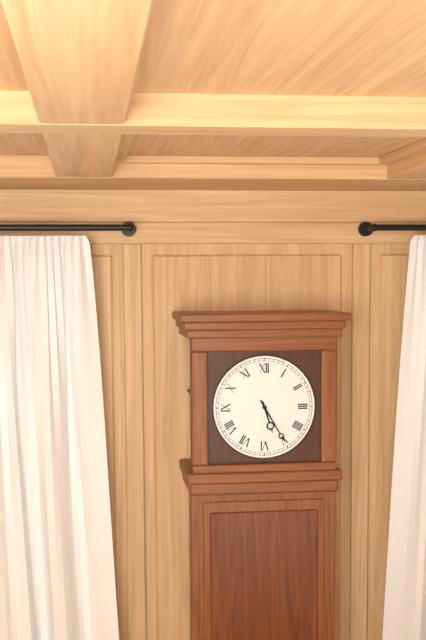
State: 5 h 25 min
